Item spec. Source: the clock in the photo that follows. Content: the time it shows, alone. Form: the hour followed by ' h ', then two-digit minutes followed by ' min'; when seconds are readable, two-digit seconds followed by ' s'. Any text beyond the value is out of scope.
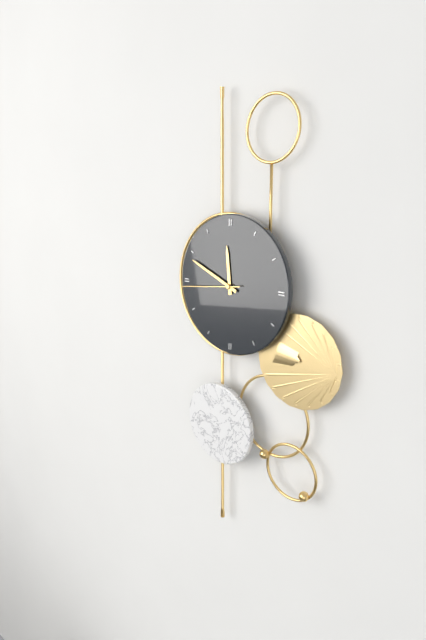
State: 11 h 49 min 44 s
